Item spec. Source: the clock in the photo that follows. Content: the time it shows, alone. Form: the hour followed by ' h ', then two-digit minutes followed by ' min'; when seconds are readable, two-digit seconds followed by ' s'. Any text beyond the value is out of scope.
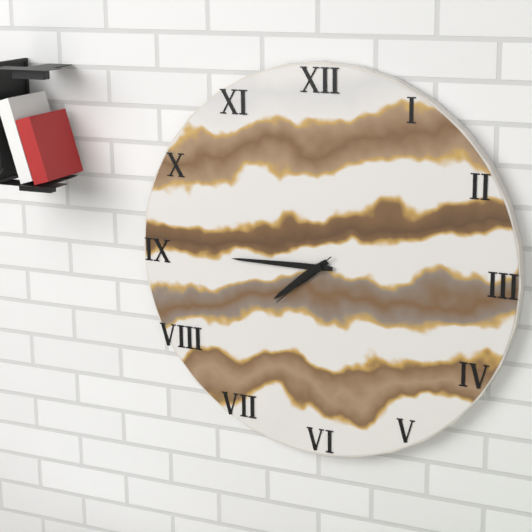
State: 7 h 45 min 38 s
